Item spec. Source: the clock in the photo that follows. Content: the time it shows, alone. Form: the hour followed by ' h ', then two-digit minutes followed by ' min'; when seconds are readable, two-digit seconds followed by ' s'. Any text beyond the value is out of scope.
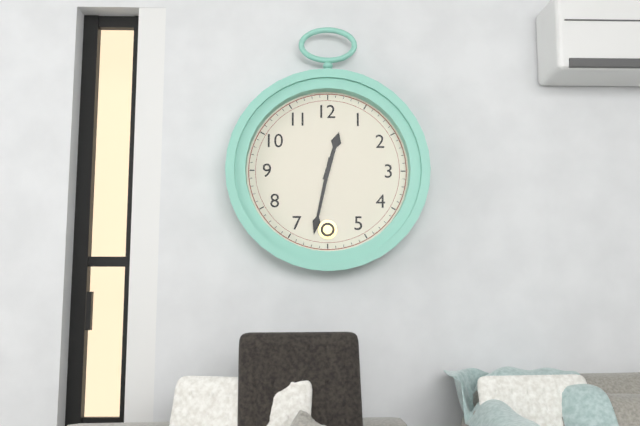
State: 12 h 32 min
